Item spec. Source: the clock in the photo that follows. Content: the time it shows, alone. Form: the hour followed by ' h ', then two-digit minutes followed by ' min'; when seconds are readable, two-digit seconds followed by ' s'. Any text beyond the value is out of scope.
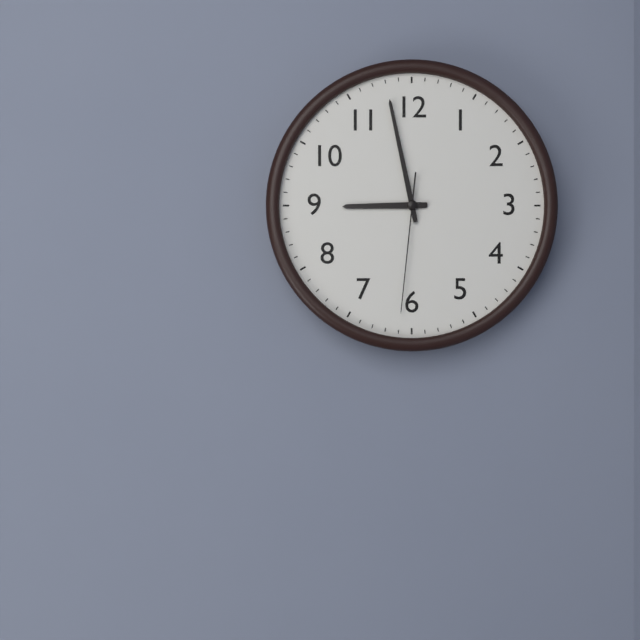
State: 8 h 58 min 31 s
